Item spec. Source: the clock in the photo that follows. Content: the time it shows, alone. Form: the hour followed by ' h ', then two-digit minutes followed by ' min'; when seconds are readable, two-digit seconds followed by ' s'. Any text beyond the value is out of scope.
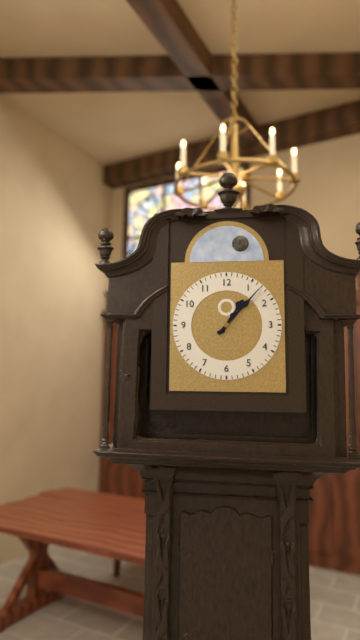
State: 1 h 07 min
